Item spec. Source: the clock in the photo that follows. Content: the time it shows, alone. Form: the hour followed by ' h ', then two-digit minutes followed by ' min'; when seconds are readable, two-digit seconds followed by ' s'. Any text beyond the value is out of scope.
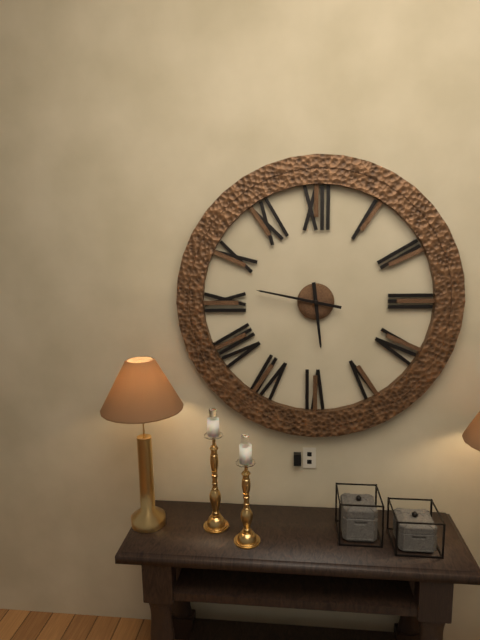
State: 5 h 47 min
